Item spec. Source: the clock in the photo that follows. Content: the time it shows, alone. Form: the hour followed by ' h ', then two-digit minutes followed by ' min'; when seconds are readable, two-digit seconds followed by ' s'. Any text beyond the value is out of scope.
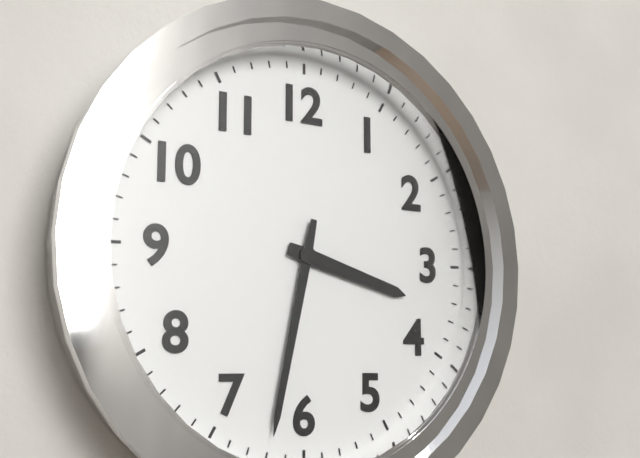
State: 3 h 32 min
